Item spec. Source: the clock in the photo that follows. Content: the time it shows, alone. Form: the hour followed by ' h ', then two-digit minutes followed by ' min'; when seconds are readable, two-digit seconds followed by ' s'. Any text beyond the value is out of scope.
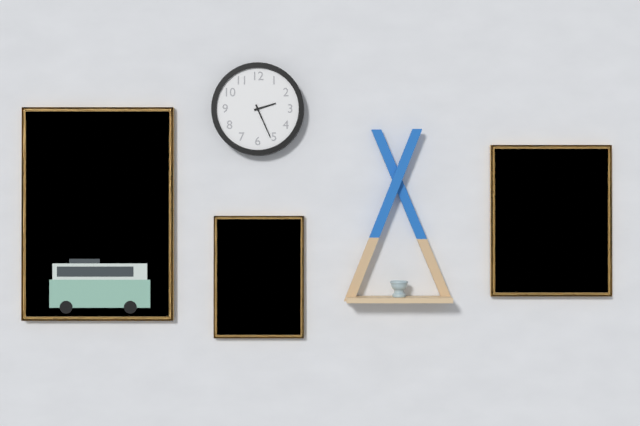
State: 2 h 26 min
